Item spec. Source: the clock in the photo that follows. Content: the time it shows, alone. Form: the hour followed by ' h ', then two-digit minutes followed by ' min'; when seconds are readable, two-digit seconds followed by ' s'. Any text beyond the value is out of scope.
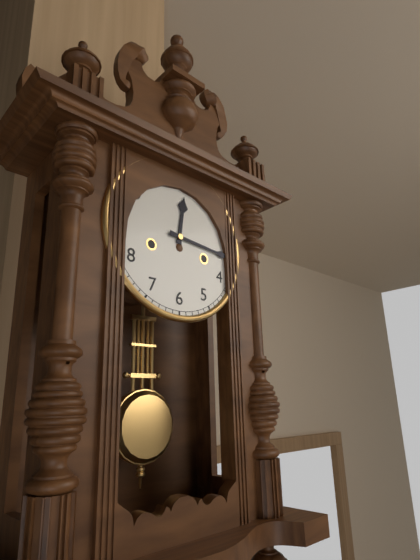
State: 12 h 16 min
